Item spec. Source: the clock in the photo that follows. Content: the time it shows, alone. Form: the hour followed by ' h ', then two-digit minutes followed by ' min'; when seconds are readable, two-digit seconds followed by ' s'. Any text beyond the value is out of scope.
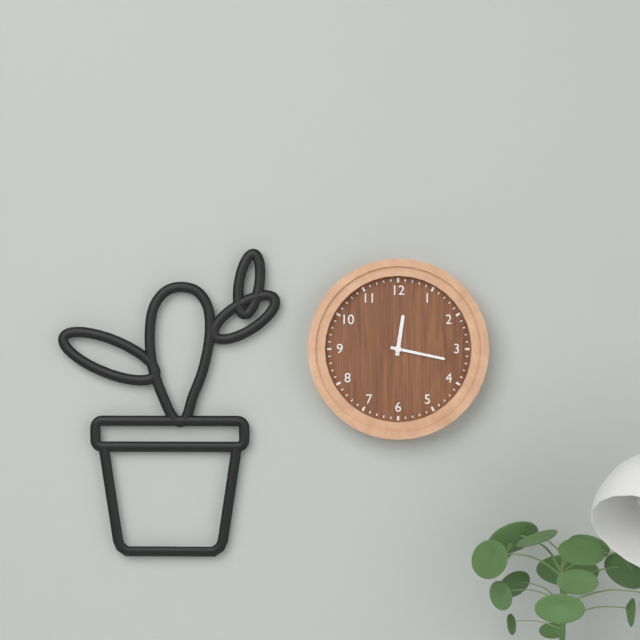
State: 12 h 17 min
